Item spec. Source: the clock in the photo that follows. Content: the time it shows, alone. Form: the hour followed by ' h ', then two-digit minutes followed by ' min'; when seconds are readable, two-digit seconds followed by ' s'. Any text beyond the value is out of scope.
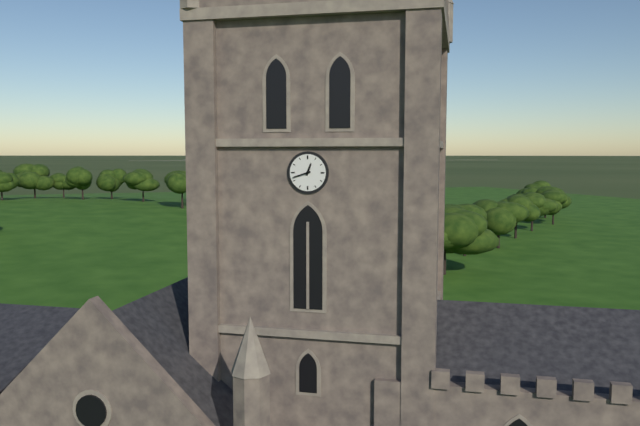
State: 12 h 42 min
